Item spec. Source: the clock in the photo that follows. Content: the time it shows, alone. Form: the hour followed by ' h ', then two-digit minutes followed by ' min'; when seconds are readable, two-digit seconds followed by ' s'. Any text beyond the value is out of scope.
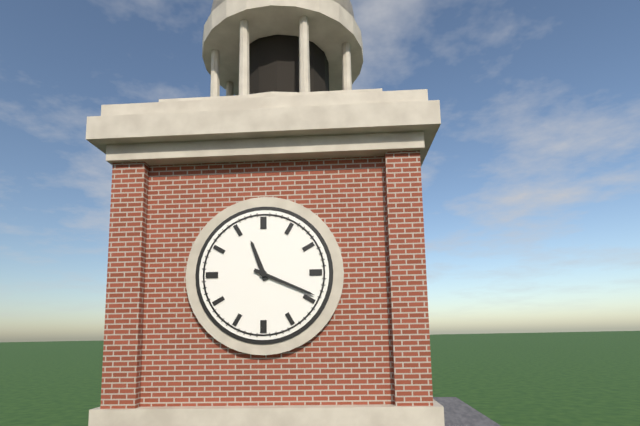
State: 11 h 19 min
